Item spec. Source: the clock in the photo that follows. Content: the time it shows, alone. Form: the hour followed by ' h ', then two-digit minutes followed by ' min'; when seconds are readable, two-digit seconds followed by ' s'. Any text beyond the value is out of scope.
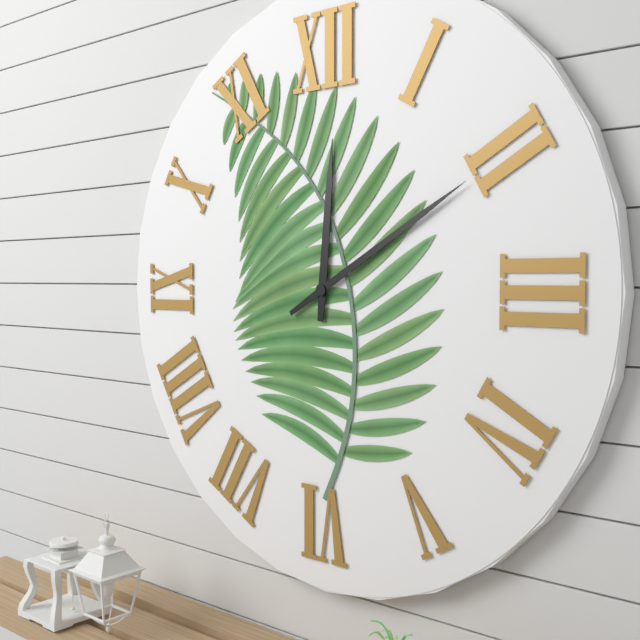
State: 12 h 10 min
